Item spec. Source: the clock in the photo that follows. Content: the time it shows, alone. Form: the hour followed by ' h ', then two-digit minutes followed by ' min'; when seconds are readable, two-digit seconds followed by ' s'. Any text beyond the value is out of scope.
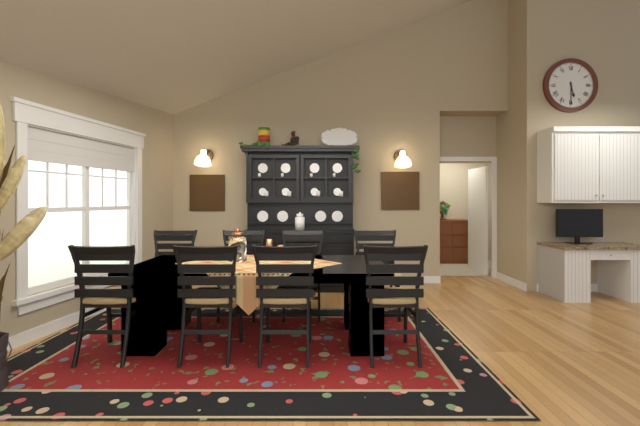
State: 5 h 30 min
